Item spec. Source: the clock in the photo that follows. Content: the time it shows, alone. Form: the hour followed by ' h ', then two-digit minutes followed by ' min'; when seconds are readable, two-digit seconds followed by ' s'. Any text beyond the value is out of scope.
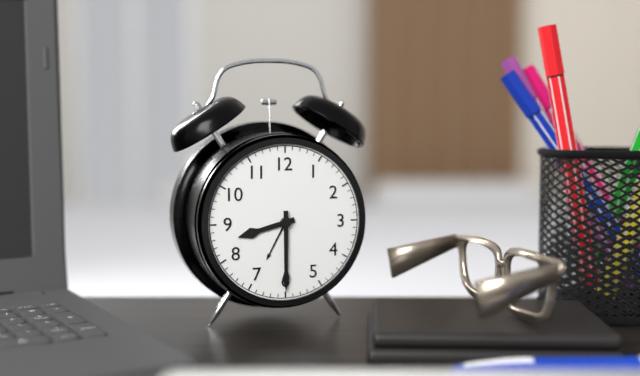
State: 8 h 30 min
